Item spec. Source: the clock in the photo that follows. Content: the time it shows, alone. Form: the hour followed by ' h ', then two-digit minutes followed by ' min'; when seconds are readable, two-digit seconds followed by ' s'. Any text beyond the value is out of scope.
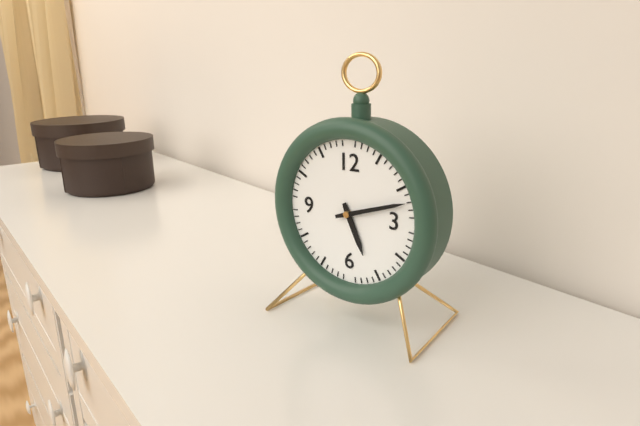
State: 5 h 12 min
